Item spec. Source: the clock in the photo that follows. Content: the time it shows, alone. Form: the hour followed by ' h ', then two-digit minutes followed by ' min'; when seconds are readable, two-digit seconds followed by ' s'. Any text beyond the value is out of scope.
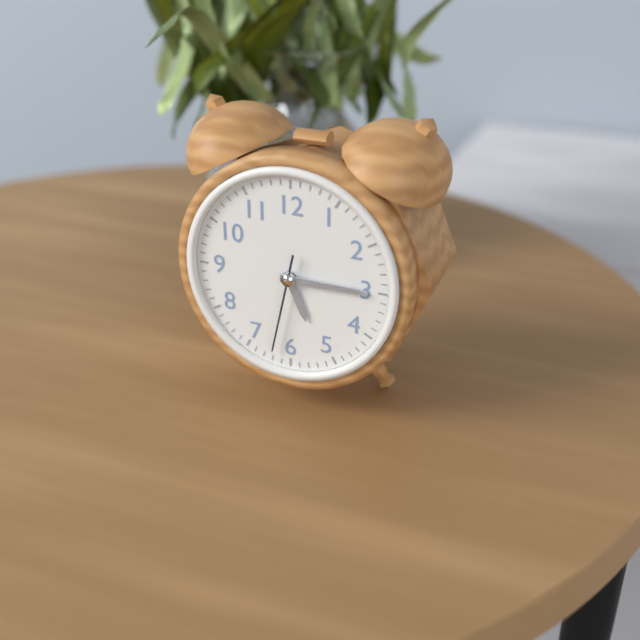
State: 5 h 15 min 32 s
